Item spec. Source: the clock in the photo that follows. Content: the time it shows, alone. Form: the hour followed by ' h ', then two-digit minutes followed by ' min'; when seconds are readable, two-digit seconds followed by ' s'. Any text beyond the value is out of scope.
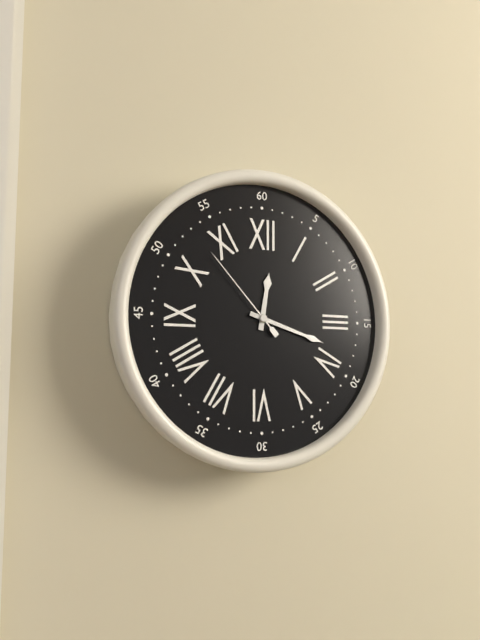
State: 12 h 18 min 53 s
